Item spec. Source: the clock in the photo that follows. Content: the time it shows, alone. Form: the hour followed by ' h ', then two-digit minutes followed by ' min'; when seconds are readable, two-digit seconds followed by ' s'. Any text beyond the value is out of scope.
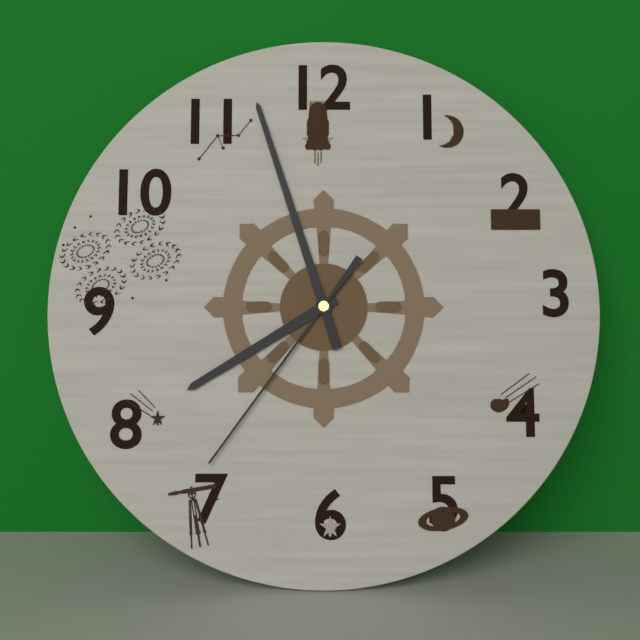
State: 7 h 57 min 36 s
